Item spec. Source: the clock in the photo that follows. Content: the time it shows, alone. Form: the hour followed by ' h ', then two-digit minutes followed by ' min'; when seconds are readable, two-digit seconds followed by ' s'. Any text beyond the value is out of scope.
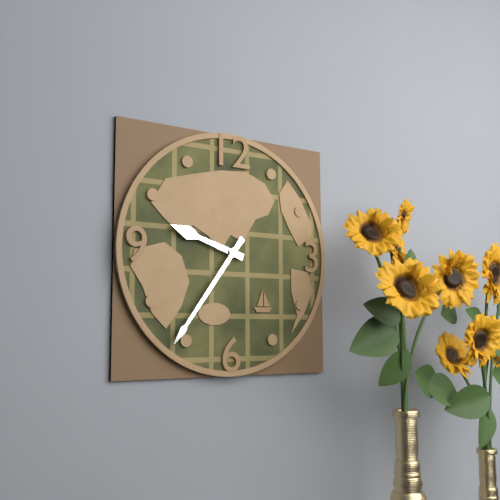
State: 9 h 36 min
